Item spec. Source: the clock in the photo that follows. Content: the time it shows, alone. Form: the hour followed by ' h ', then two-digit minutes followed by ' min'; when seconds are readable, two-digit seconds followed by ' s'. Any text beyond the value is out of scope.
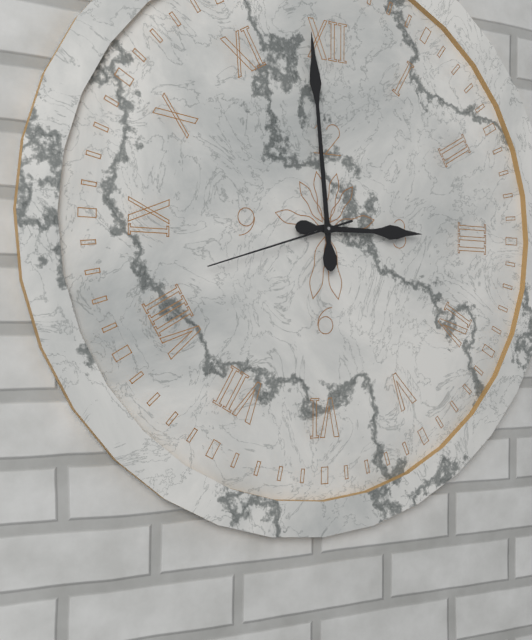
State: 2 h 59 min 42 s
